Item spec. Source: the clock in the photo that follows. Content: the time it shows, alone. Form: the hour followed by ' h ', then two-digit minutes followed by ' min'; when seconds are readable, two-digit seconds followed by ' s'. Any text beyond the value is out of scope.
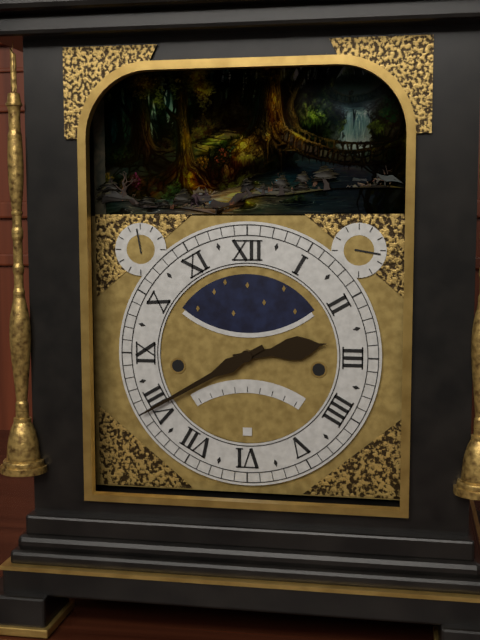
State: 2 h 40 min
